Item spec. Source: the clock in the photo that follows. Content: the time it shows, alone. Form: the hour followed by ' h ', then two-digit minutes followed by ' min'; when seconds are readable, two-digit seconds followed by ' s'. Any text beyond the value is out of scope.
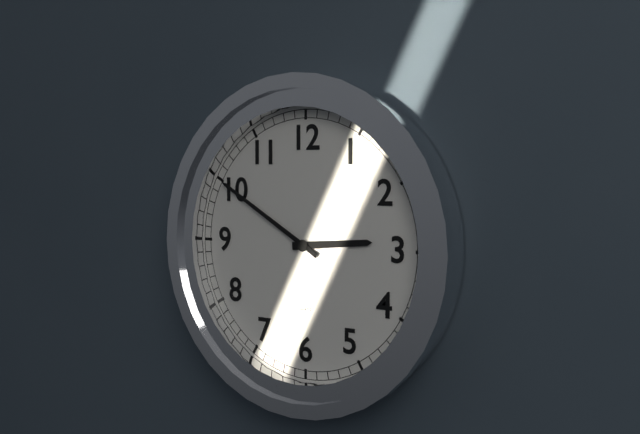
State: 2 h 50 min
